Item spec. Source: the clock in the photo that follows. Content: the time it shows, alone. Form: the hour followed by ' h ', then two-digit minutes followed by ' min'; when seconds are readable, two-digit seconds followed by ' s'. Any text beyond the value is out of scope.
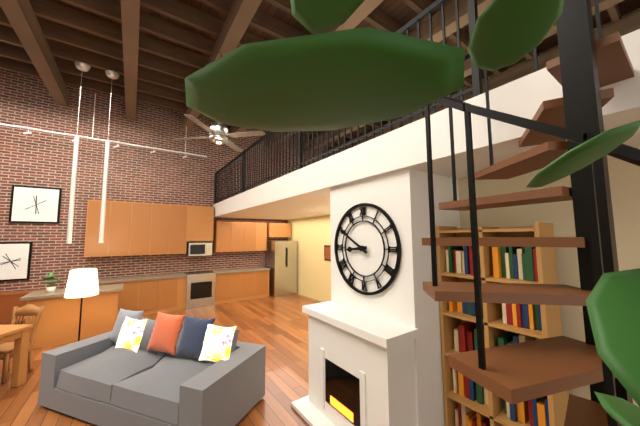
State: 8 h 50 min
